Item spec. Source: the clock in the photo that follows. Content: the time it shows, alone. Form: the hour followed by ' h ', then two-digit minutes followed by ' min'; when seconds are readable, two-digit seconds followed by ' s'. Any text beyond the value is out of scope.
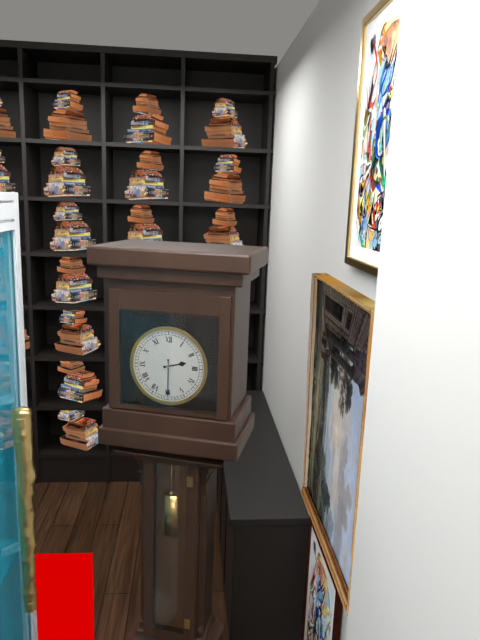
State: 2 h 30 min
